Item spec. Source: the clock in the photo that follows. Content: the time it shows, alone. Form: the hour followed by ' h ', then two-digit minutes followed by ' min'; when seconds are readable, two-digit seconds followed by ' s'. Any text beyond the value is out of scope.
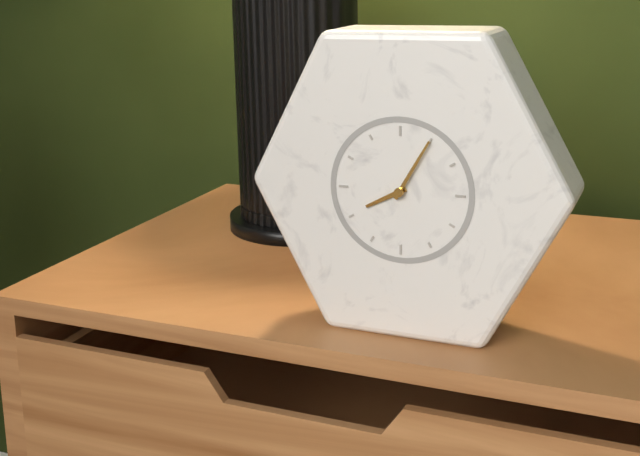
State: 8 h 05 min
